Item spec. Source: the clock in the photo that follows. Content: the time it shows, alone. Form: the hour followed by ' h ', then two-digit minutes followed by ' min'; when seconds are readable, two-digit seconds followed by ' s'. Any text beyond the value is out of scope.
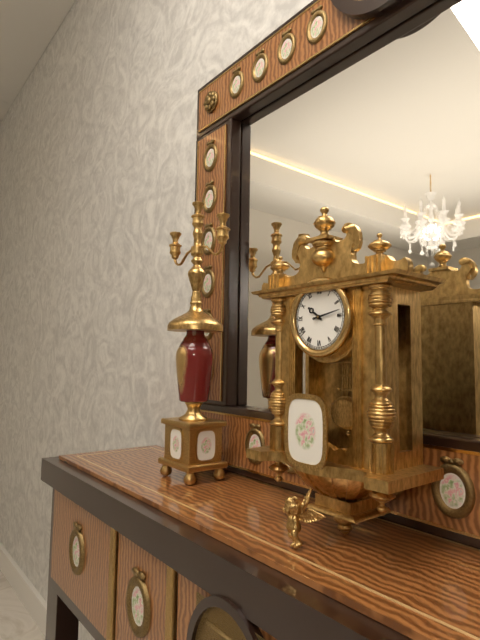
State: 10 h 13 min
